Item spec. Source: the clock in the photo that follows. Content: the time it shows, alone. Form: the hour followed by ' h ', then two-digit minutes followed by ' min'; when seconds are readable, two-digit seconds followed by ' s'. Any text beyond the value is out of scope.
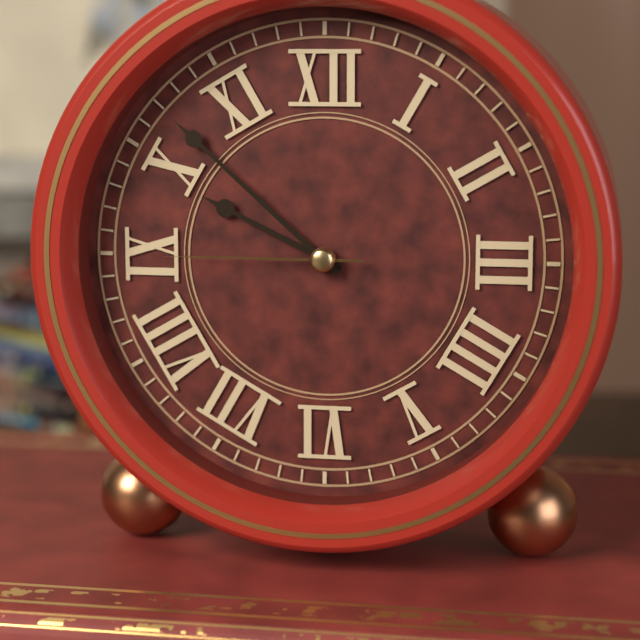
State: 9 h 52 min 45 s
